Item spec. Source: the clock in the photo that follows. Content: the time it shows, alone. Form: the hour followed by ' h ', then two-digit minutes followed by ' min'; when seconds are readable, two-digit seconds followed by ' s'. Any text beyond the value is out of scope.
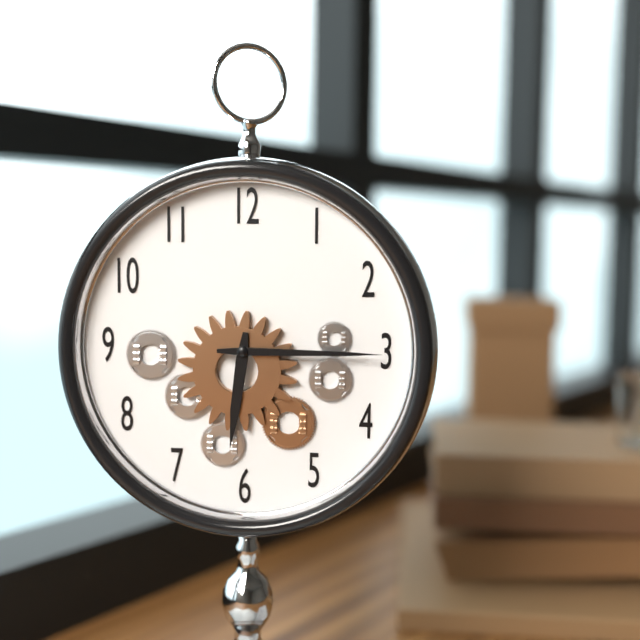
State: 6 h 15 min
